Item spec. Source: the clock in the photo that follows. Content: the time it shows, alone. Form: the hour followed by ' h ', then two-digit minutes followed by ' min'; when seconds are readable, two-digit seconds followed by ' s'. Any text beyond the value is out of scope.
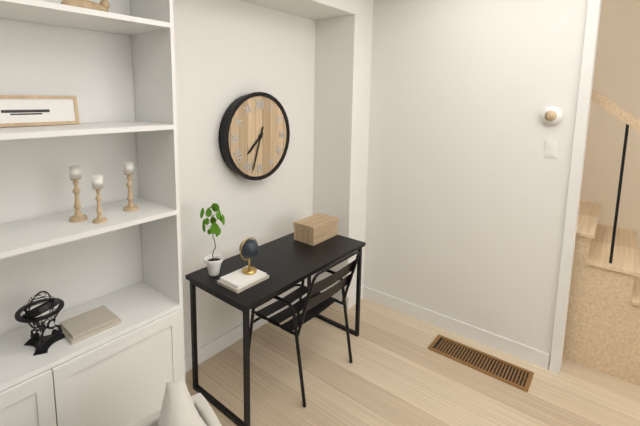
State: 7 h 33 min
